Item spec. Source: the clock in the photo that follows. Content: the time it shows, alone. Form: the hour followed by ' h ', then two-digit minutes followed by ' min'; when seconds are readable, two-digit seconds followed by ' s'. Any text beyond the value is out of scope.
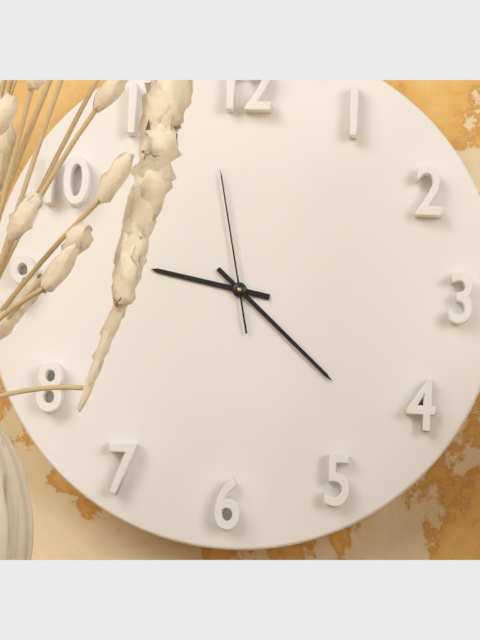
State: 9 h 22 min 58 s
